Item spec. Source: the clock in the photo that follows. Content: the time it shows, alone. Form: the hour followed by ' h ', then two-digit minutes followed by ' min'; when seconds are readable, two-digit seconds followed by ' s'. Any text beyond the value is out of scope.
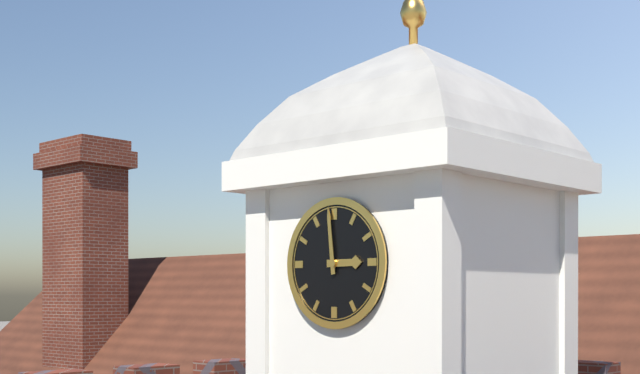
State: 2 h 59 min
